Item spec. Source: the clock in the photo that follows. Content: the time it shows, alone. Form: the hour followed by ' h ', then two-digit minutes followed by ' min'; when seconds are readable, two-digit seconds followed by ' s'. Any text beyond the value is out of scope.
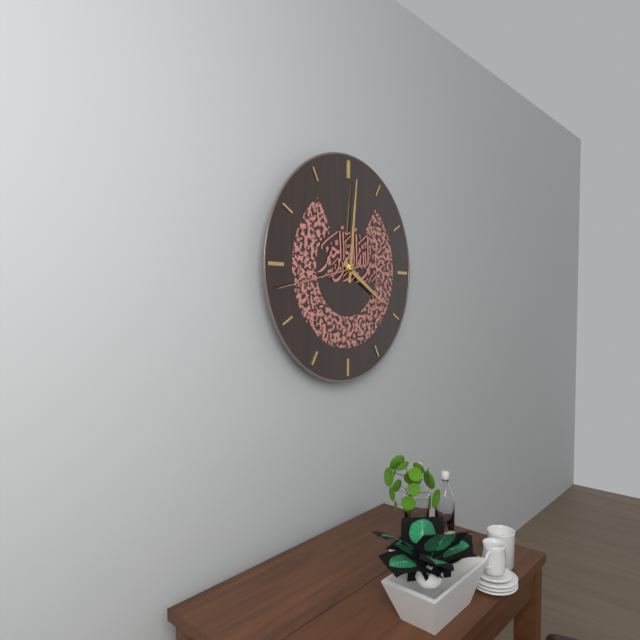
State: 4 h 01 min 43 s
